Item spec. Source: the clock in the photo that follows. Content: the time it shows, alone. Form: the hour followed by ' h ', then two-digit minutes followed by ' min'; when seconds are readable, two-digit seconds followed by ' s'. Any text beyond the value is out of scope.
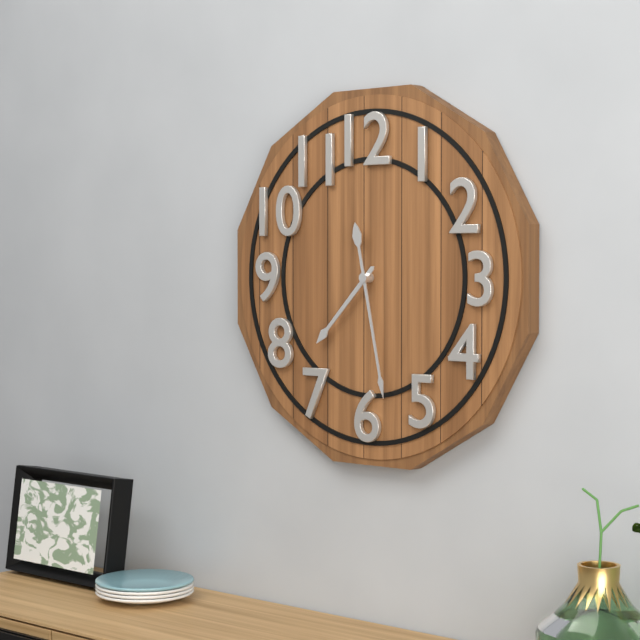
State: 7 h 28 min
